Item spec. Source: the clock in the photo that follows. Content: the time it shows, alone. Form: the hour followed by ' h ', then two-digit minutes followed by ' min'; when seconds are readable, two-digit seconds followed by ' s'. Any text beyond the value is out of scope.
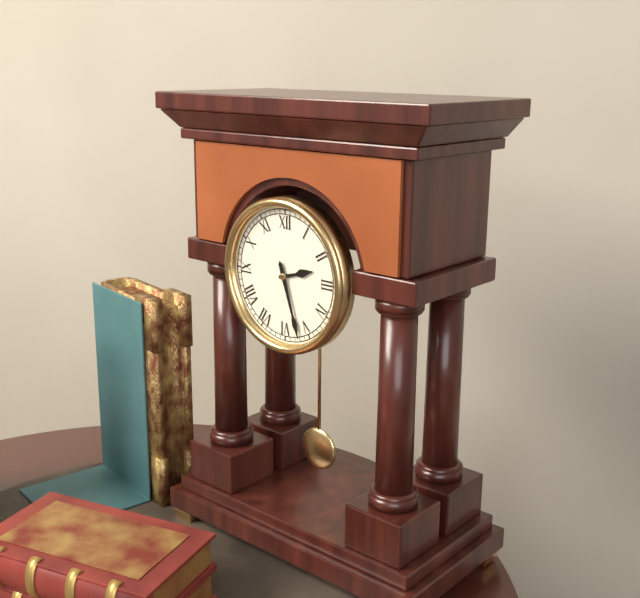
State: 2 h 27 min
